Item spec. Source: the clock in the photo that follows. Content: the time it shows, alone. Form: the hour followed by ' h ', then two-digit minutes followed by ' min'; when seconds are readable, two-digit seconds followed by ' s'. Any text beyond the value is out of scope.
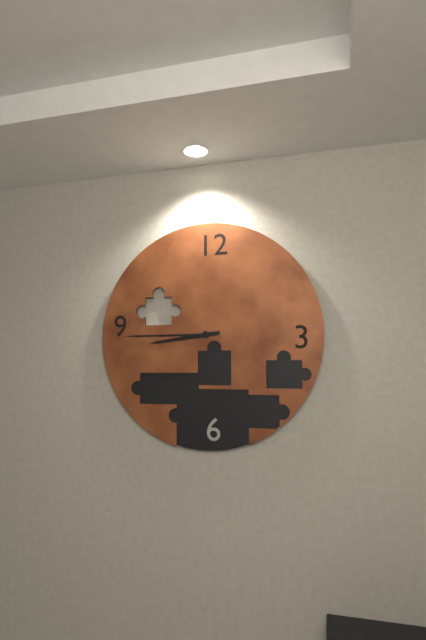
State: 8 h 45 min
